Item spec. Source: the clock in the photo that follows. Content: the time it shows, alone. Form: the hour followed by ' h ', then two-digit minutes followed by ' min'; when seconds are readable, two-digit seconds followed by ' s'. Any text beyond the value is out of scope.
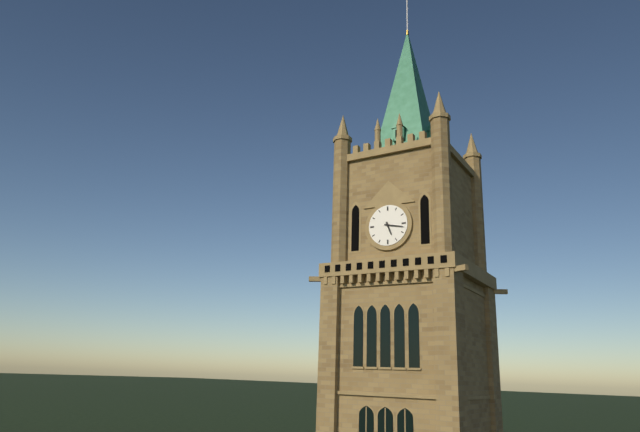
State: 5 h 17 min
